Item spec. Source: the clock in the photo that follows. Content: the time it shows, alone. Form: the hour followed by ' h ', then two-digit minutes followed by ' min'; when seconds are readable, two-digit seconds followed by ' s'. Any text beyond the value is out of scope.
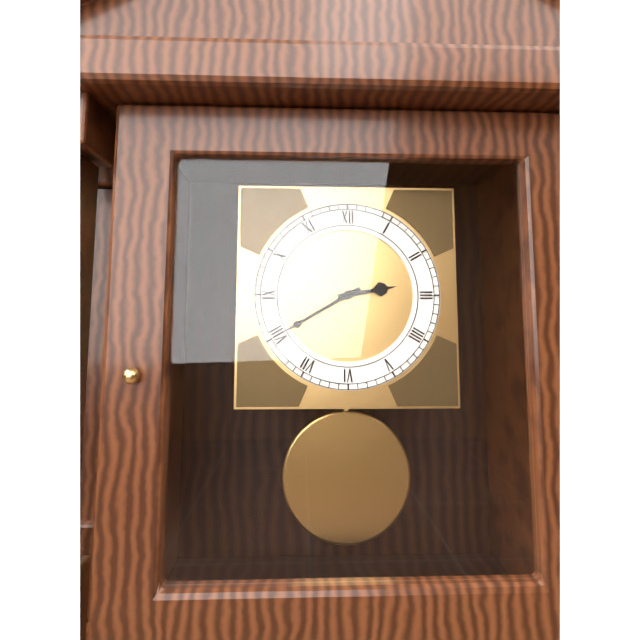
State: 2 h 40 min
